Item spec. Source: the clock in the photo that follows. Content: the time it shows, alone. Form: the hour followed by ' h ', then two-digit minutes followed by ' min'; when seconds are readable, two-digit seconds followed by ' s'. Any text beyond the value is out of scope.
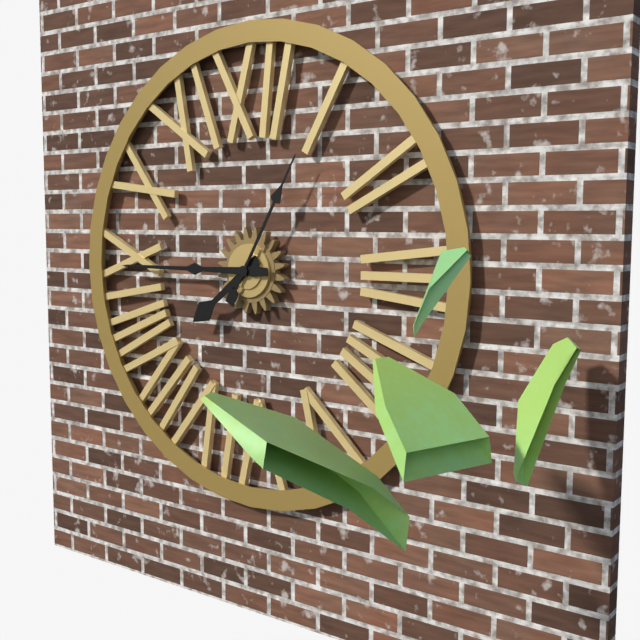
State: 7 h 45 min 05 s
